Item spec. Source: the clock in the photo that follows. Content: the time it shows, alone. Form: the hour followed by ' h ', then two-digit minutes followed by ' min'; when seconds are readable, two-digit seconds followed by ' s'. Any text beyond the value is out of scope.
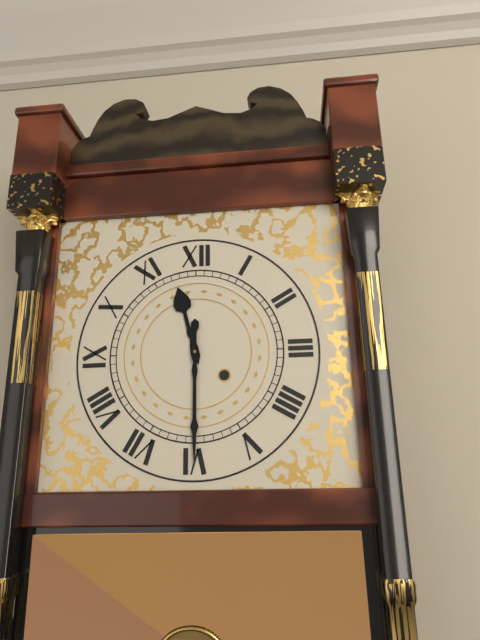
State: 11 h 30 min
